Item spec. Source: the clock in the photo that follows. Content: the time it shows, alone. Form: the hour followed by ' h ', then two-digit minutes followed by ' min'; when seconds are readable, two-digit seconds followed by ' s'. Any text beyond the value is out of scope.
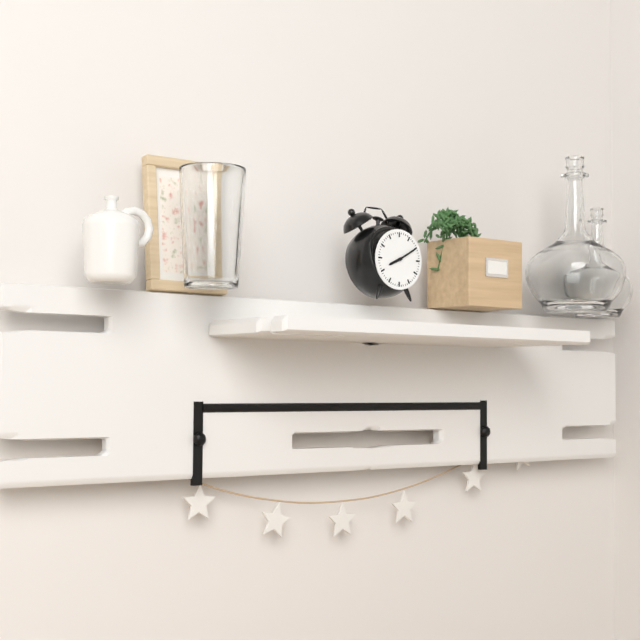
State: 8 h 10 min
